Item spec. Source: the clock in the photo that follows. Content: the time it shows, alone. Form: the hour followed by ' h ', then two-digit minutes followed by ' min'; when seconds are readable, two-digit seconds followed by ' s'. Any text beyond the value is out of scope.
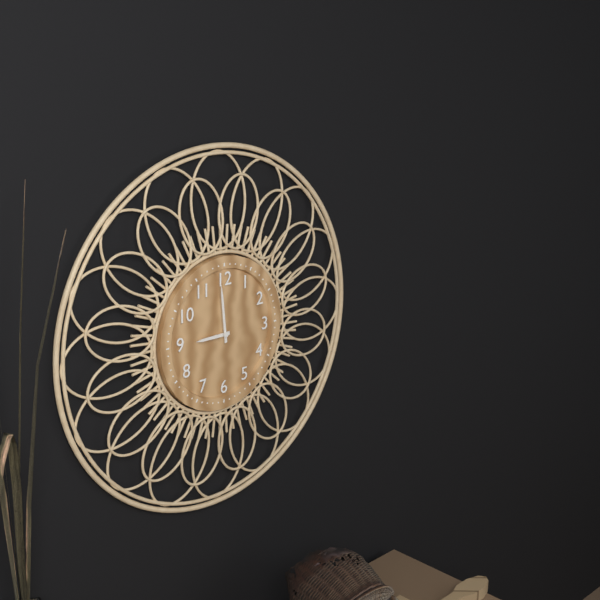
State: 8 h 59 min
